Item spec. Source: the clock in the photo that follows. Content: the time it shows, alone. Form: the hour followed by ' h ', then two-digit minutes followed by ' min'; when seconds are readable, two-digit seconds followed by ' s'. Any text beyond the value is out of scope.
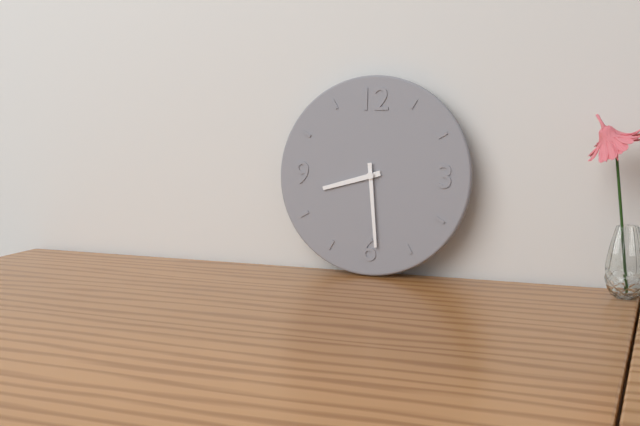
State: 8 h 29 min
